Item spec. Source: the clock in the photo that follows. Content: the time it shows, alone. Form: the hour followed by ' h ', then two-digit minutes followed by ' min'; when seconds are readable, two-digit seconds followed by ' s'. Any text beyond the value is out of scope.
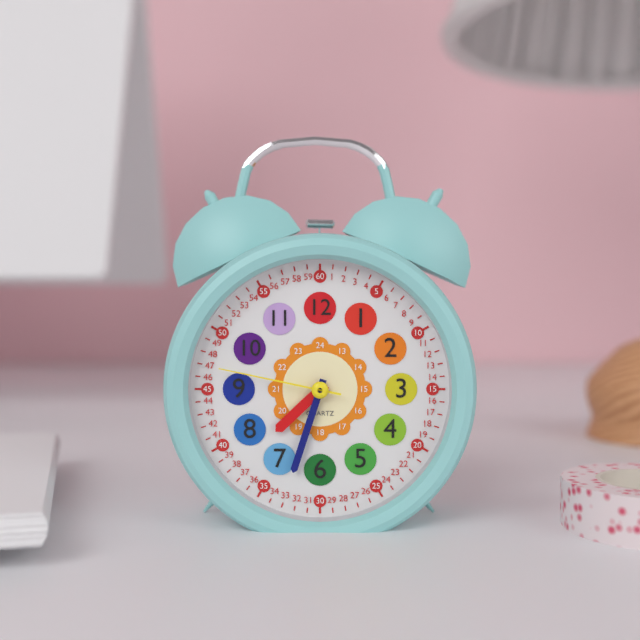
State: 7 h 33 min 47 s
